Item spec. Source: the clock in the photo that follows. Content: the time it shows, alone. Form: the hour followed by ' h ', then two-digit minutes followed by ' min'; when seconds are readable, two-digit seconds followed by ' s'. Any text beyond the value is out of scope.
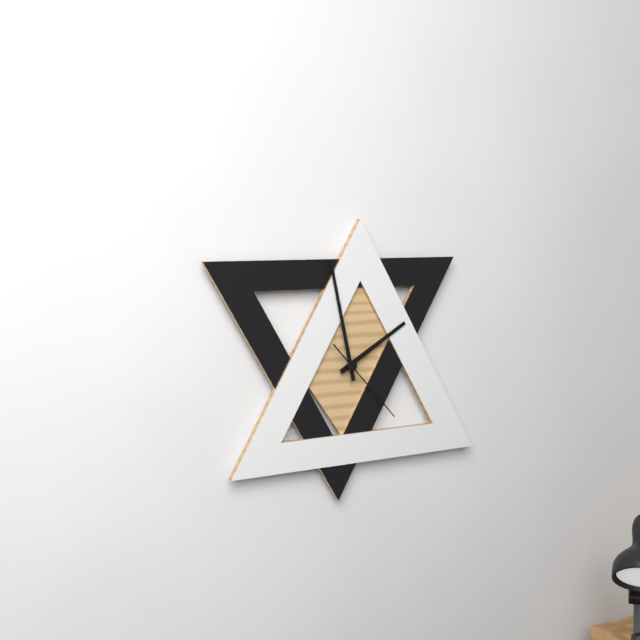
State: 1 h 58 min 23 s
